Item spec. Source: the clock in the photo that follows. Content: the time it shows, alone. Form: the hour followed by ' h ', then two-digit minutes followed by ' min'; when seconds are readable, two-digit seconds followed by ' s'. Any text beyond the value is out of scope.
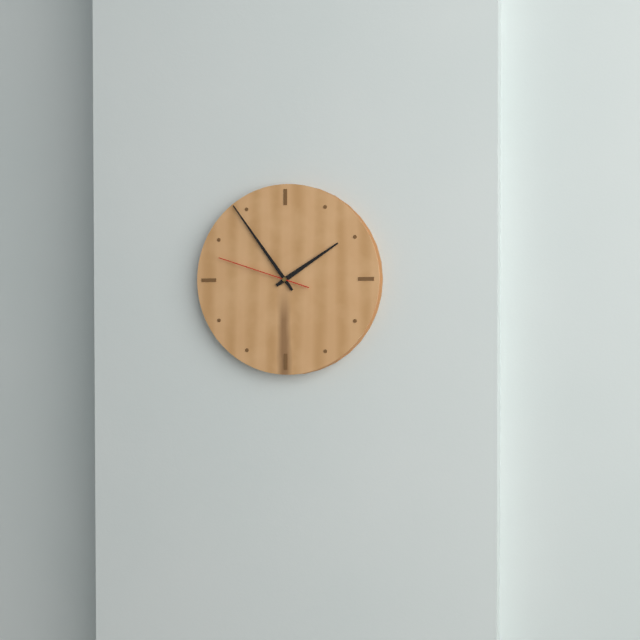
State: 1 h 54 min 48 s
